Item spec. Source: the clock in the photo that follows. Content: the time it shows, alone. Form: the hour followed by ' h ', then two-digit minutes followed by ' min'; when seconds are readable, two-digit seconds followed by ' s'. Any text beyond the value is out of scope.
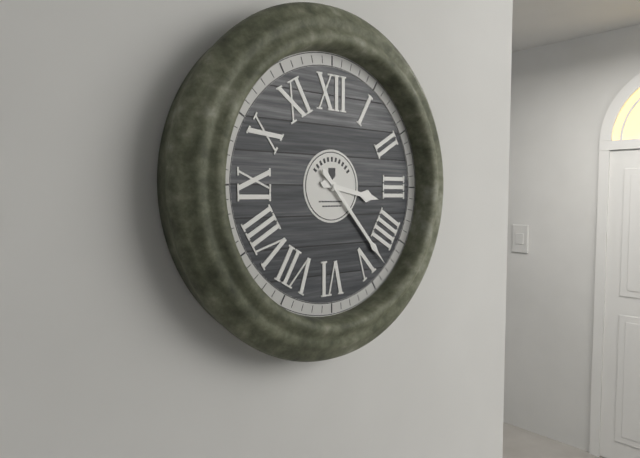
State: 3 h 23 min
